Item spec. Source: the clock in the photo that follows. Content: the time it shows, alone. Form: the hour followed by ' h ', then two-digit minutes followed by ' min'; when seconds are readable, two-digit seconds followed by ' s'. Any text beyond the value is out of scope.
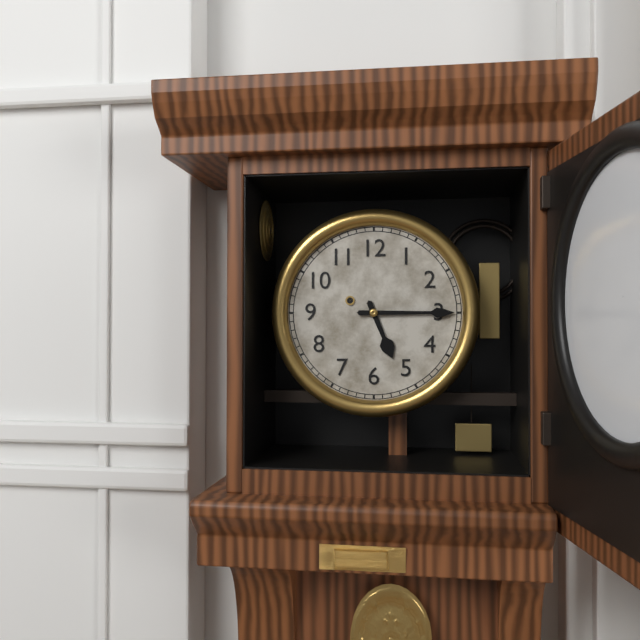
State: 5 h 15 min
